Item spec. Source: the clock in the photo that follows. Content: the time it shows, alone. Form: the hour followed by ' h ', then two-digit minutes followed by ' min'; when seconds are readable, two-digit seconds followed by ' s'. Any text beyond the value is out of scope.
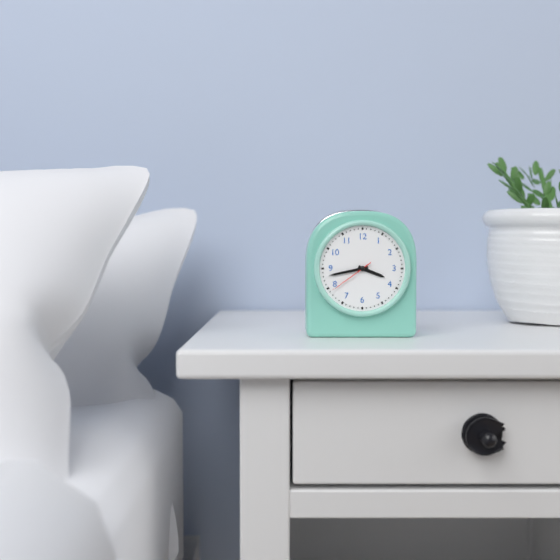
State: 3 h 43 min
